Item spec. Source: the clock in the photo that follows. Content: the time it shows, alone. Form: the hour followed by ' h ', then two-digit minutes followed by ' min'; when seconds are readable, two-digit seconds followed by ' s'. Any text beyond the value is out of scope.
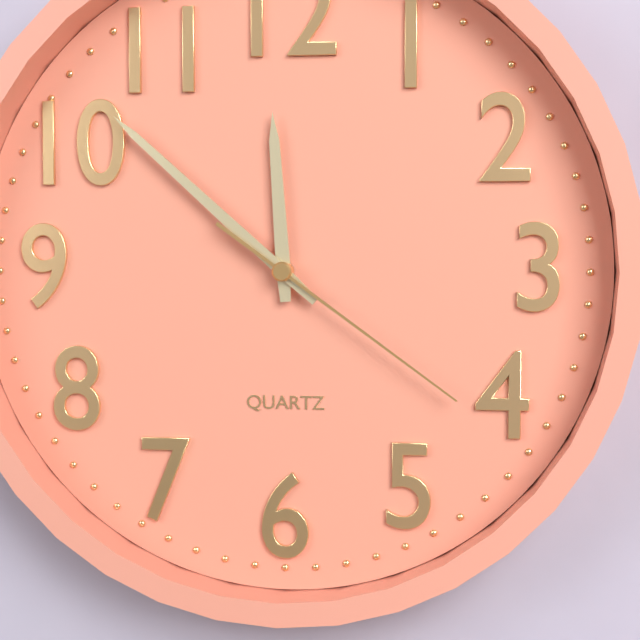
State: 11 h 52 min 21 s
